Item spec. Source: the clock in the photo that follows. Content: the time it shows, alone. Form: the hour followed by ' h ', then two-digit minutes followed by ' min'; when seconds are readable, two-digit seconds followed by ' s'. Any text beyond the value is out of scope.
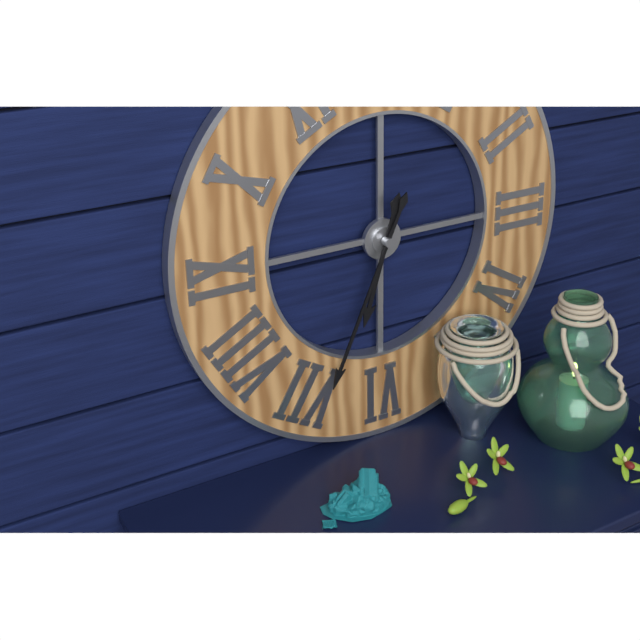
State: 6 h 34 min
